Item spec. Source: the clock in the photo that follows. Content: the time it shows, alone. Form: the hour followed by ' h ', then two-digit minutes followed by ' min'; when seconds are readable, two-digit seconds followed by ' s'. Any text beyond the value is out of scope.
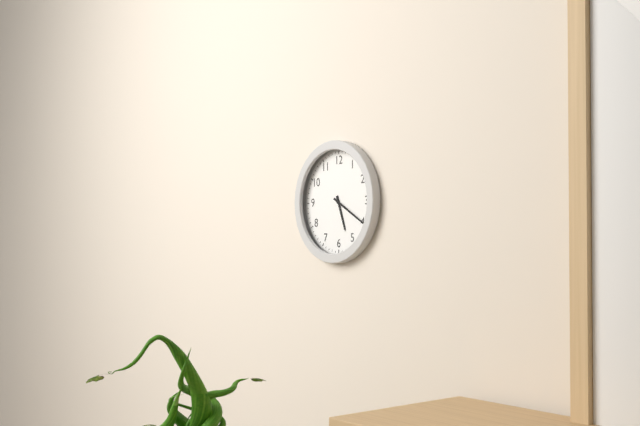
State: 5 h 20 min
